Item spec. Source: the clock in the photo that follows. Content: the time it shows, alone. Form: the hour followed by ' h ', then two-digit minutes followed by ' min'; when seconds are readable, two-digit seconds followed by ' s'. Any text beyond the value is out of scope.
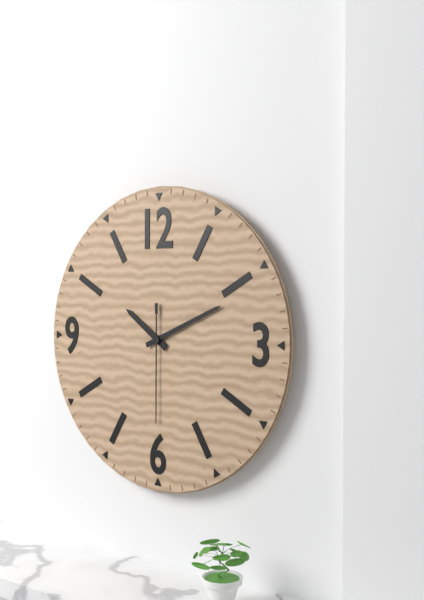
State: 10 h 11 min 30 s
